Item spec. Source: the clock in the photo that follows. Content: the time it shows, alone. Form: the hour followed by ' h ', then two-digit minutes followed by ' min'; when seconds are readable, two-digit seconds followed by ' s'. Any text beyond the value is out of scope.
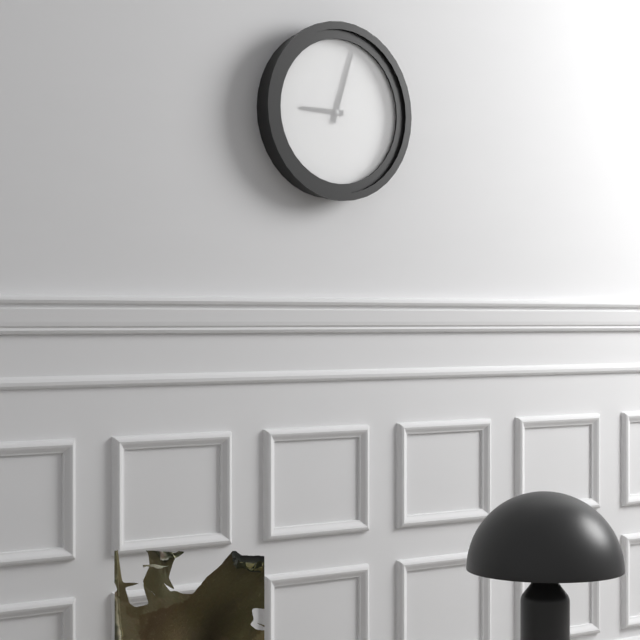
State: 9 h 03 min
